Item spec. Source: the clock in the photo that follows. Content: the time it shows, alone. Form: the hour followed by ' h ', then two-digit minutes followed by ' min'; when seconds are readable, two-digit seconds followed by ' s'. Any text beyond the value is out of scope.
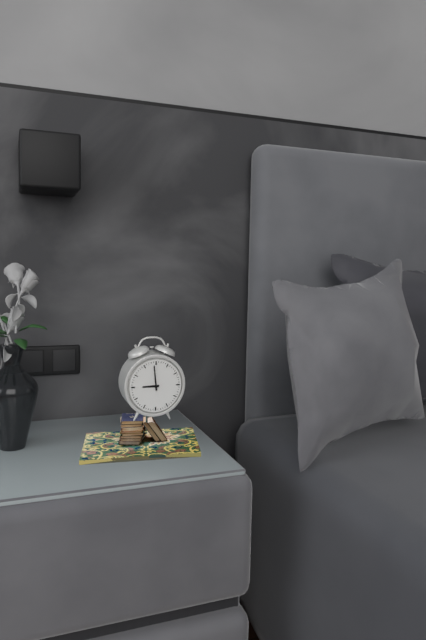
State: 8 h 59 min
